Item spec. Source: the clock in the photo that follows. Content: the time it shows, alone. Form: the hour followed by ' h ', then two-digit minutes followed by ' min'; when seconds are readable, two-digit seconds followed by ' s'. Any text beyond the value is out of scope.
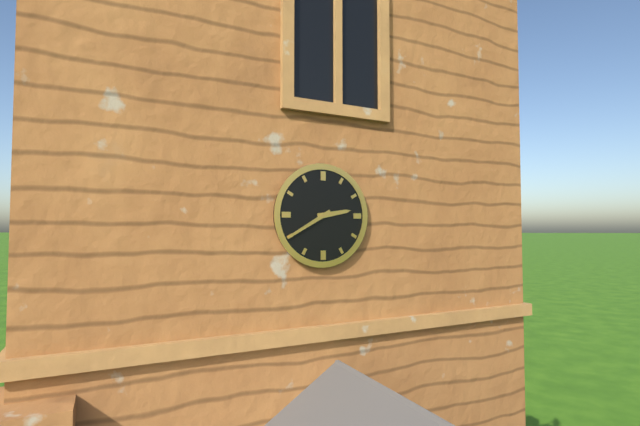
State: 2 h 40 min
